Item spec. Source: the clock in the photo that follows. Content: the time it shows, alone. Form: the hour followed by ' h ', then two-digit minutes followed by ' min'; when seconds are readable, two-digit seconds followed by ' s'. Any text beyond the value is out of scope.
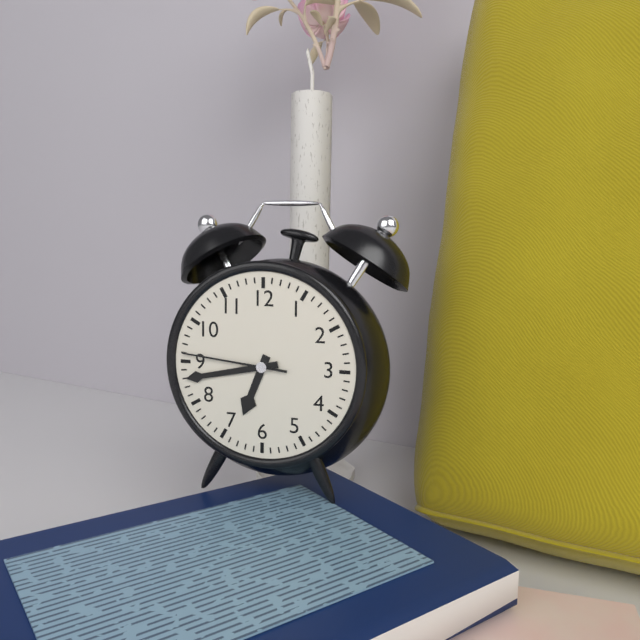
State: 6 h 43 min 46 s
